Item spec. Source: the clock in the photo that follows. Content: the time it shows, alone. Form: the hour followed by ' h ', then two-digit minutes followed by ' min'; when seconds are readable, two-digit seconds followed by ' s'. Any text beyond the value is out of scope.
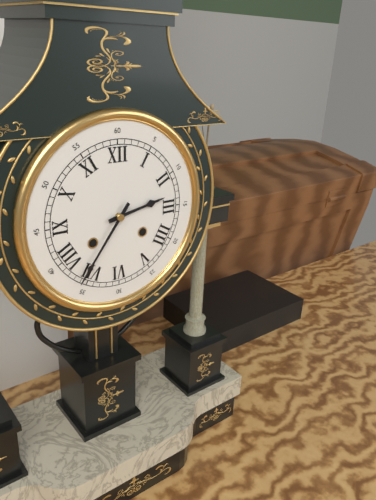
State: 2 h 36 min
